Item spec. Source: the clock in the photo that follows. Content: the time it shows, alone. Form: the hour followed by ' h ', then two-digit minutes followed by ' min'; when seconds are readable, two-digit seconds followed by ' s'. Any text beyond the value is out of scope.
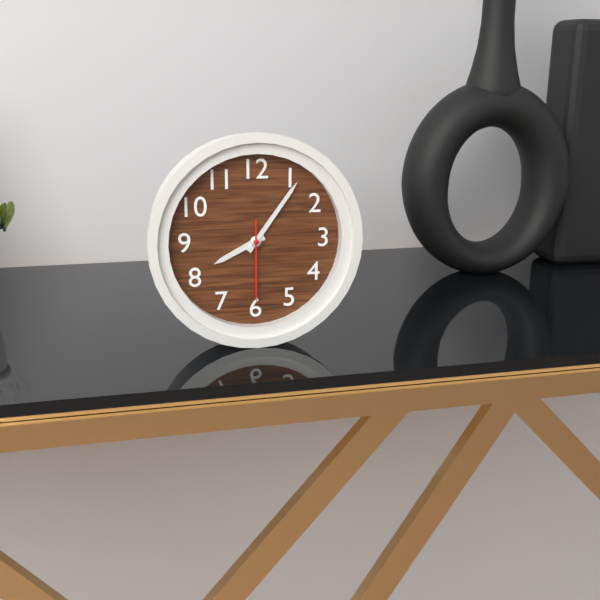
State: 8 h 06 min 30 s
